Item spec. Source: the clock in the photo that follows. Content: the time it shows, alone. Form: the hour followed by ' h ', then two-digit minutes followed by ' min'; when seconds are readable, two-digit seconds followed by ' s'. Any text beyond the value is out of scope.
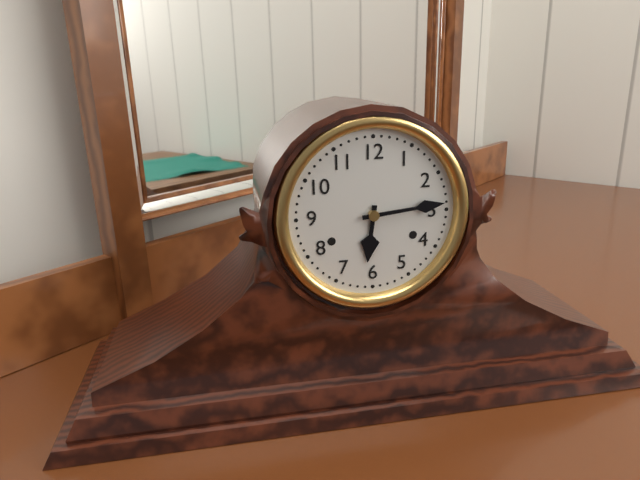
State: 6 h 14 min
